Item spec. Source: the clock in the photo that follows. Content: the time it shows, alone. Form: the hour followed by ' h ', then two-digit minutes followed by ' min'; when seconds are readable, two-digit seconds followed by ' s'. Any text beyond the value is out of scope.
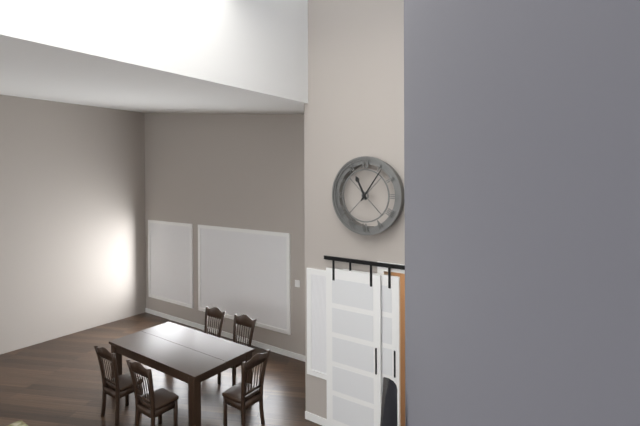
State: 11 h 06 min
